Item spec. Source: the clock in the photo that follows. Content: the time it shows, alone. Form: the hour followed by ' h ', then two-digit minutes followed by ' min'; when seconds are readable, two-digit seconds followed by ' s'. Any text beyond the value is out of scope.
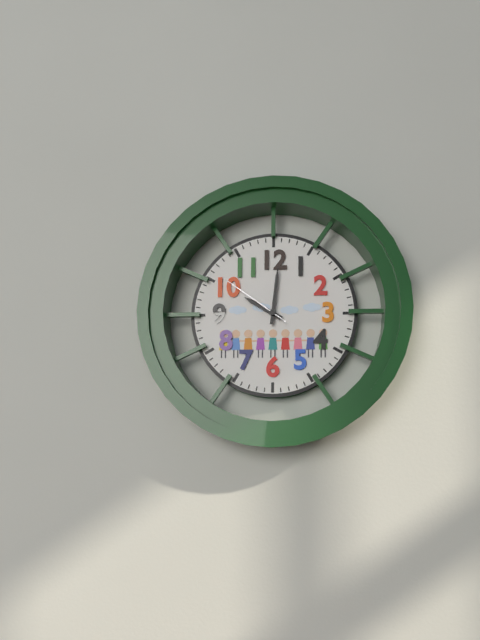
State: 10 h 01 min 51 s
